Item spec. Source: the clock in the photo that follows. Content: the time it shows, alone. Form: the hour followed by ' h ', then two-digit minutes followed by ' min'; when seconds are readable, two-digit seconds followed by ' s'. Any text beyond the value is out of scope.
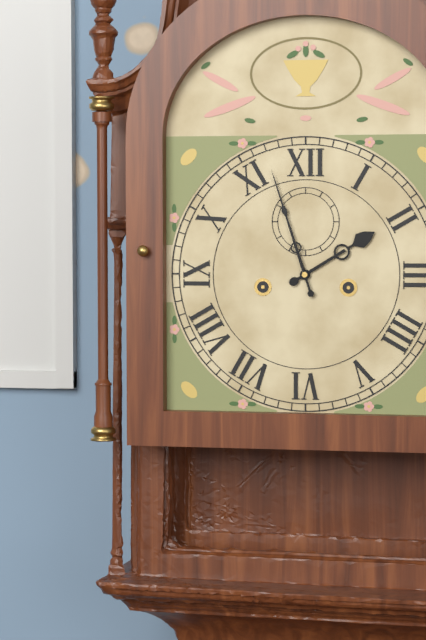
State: 1 h 57 min
